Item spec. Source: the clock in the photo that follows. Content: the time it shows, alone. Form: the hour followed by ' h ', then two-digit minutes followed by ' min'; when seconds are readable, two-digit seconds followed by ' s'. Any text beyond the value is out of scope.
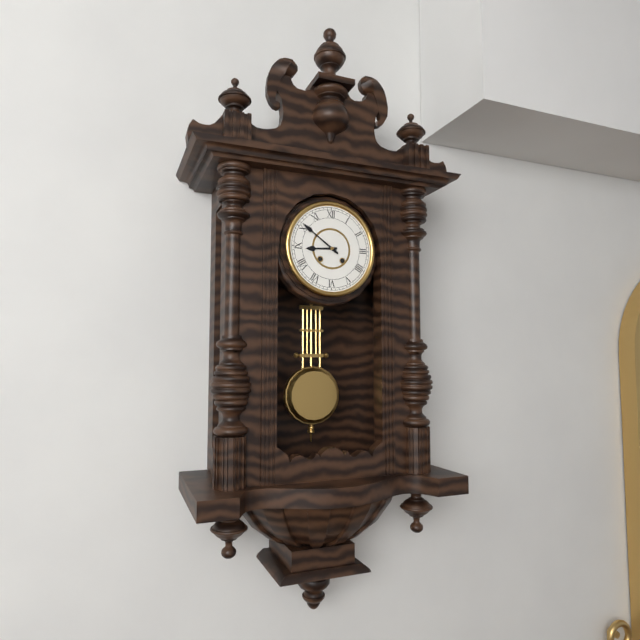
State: 8 h 51 min
